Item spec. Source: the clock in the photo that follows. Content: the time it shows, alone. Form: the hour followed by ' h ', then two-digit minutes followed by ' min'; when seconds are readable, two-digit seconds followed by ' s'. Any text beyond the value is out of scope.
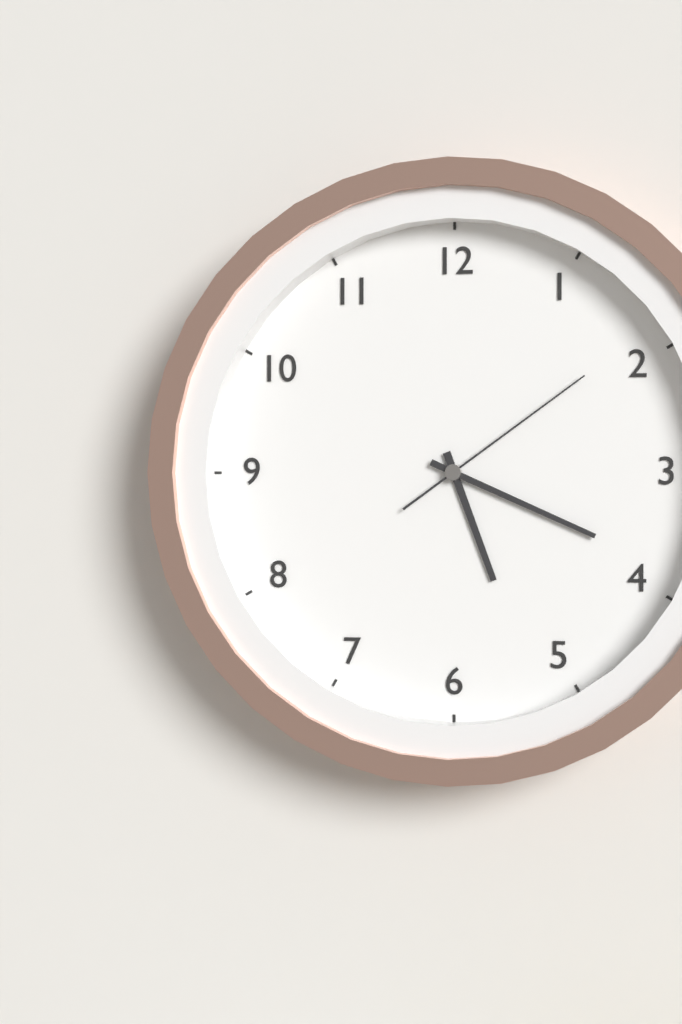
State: 5 h 19 min 09 s
